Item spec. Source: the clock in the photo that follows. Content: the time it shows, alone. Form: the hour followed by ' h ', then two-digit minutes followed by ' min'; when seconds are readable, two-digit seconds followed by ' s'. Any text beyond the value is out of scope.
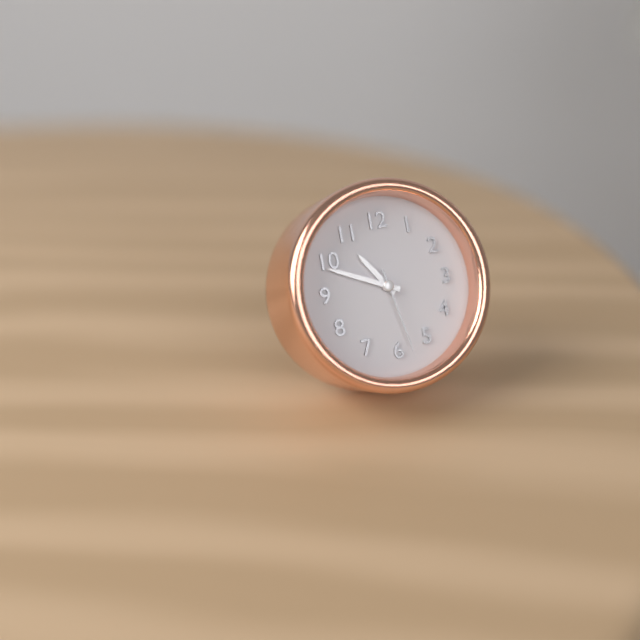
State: 10 h 49 min 28 s
